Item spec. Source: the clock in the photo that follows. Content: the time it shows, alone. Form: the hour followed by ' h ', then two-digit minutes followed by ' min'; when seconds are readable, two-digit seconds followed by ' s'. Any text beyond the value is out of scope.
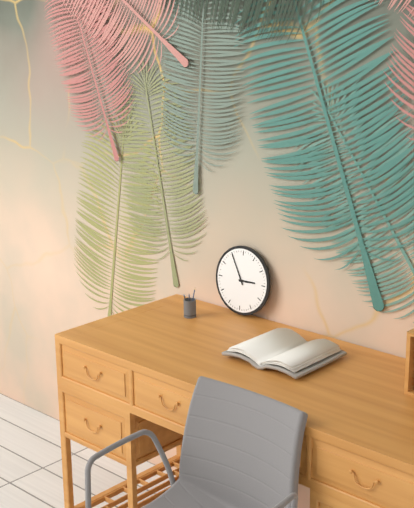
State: 2 h 55 min
